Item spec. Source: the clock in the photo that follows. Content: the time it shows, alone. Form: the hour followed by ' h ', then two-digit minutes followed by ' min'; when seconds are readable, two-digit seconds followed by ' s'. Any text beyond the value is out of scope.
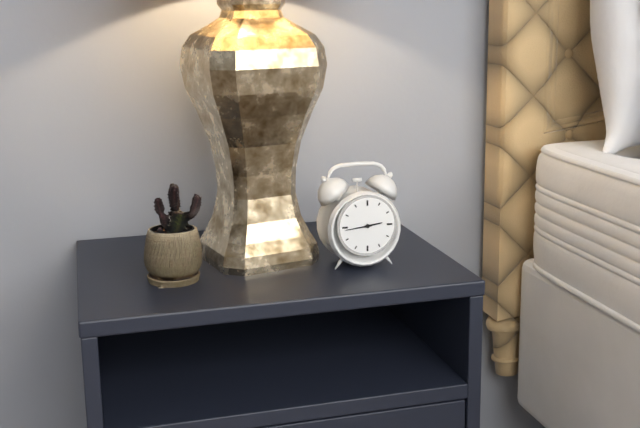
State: 2 h 44 min
